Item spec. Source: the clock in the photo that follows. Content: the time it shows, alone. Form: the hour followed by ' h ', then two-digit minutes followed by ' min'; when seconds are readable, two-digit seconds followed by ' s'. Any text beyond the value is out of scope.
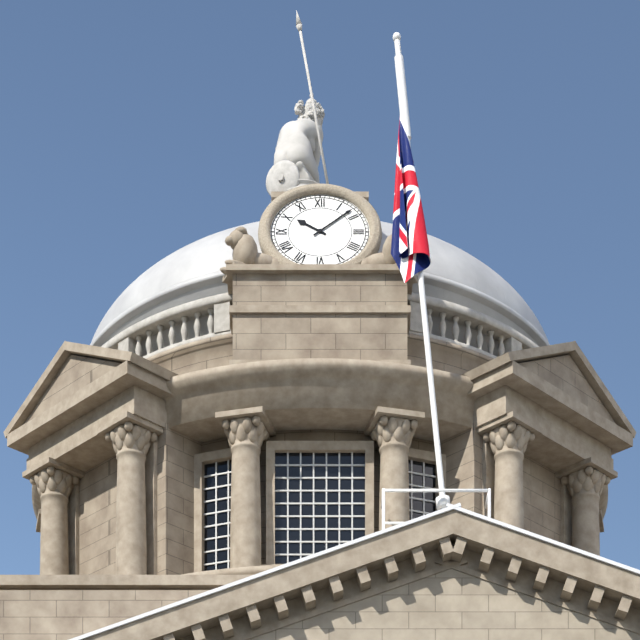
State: 10 h 08 min
